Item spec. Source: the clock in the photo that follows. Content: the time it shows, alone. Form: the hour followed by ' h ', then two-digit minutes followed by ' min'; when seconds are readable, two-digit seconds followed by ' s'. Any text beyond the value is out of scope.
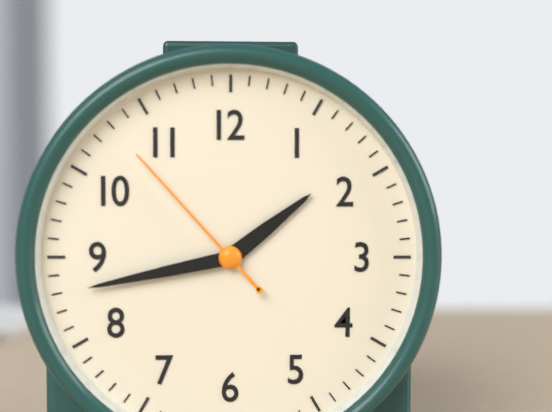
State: 1 h 43 min 53 s
